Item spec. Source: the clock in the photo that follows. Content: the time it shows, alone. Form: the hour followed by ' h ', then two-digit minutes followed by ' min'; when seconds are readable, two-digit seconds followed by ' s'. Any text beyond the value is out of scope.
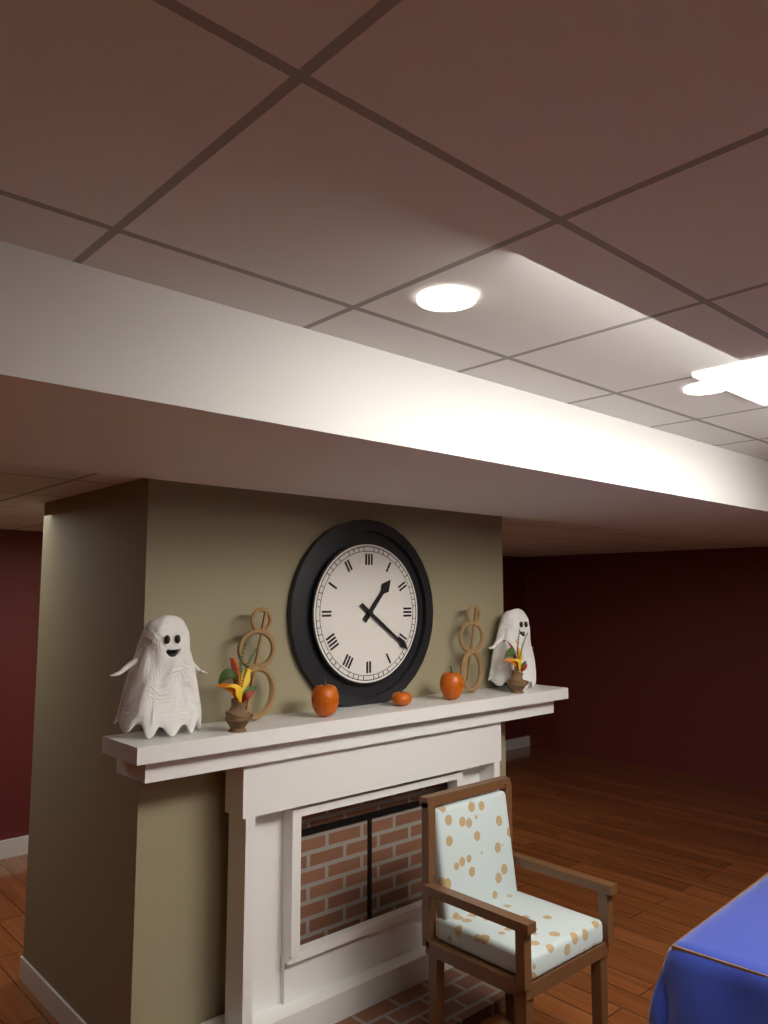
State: 1 h 21 min
